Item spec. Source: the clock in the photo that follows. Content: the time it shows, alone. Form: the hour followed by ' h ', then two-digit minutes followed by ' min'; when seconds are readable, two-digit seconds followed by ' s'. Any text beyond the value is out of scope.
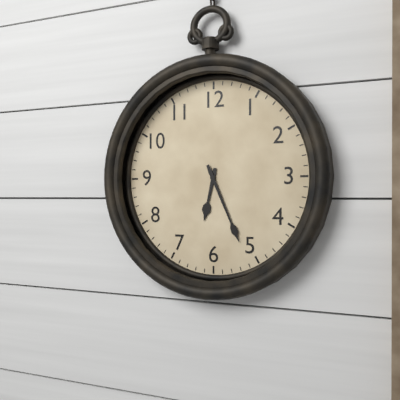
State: 6 h 26 min
